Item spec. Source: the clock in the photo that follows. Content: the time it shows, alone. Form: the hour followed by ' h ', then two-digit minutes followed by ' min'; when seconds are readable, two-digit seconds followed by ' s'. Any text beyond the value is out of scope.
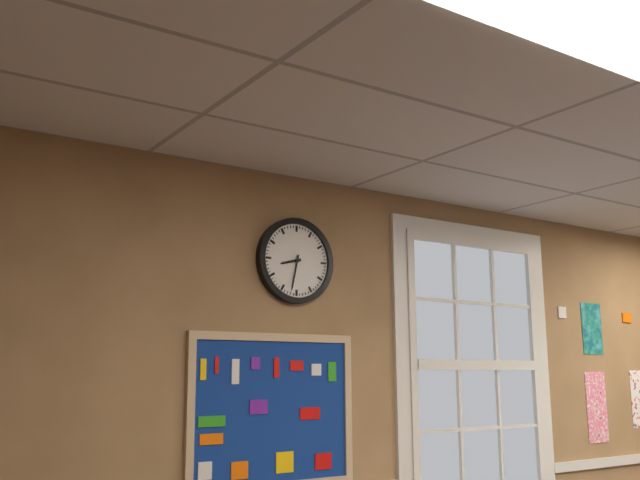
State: 8 h 32 min
